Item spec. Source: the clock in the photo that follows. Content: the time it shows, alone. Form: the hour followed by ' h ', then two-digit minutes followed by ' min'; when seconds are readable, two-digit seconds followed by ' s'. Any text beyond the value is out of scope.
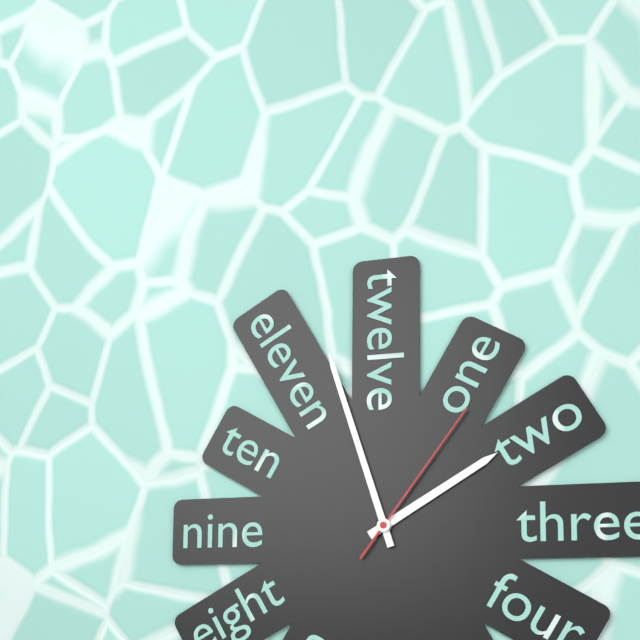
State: 1 h 57 min 06 s
